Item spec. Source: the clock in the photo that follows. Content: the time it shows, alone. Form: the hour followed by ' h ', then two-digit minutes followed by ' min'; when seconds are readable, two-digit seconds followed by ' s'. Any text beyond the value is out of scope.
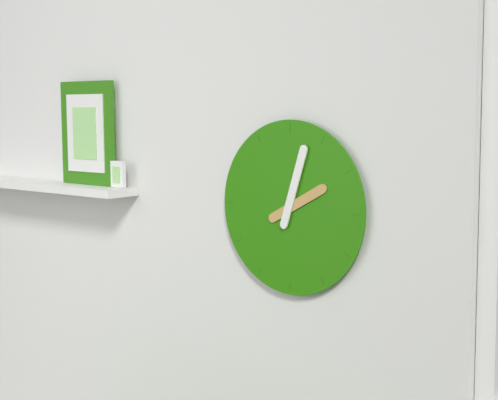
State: 2 h 03 min
